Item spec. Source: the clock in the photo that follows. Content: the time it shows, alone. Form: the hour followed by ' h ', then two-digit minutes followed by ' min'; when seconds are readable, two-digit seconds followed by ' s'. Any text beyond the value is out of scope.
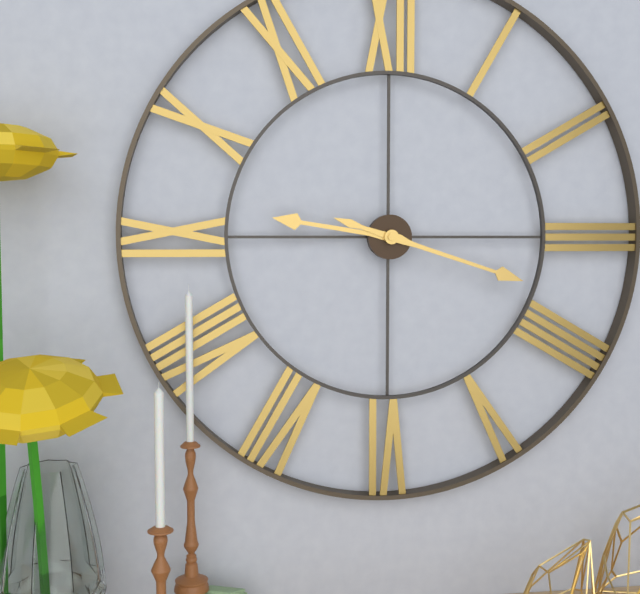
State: 9 h 18 min
